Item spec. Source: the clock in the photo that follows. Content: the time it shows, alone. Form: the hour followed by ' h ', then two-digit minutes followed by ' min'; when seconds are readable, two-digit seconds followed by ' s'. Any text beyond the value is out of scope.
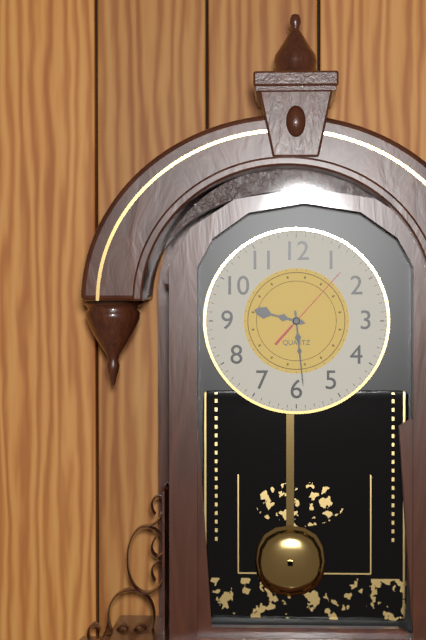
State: 9 h 29 min 07 s
